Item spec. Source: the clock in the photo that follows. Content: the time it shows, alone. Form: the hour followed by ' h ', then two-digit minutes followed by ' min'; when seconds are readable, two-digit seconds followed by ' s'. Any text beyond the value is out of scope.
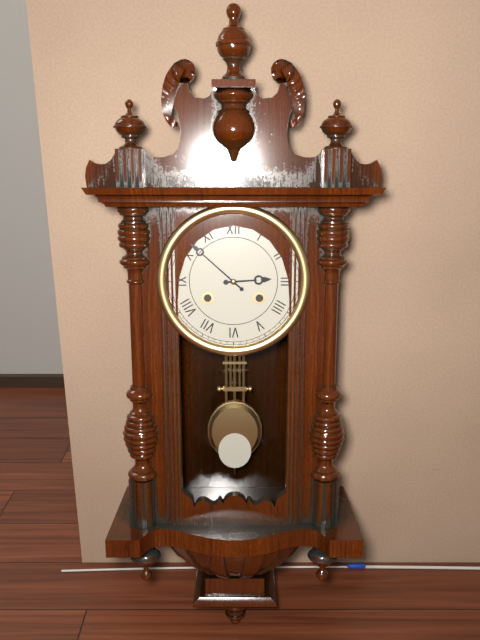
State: 2 h 52 min
